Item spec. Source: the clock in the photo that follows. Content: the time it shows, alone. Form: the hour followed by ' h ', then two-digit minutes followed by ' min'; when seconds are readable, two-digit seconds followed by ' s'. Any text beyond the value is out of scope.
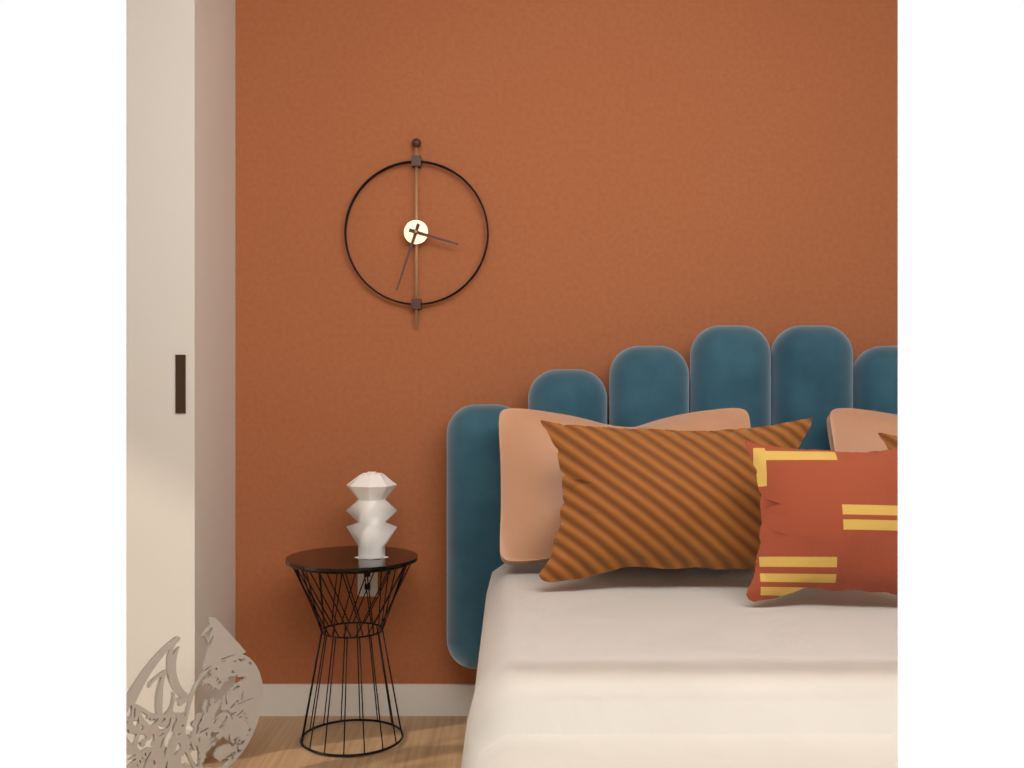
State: 3 h 33 min
